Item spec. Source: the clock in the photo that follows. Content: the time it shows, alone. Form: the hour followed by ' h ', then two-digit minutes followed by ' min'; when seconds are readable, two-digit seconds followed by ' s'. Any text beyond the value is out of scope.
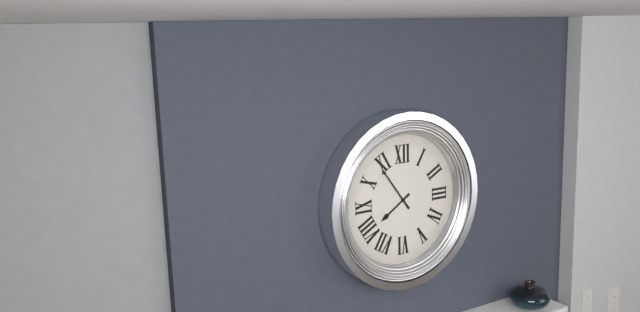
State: 7 h 54 min
